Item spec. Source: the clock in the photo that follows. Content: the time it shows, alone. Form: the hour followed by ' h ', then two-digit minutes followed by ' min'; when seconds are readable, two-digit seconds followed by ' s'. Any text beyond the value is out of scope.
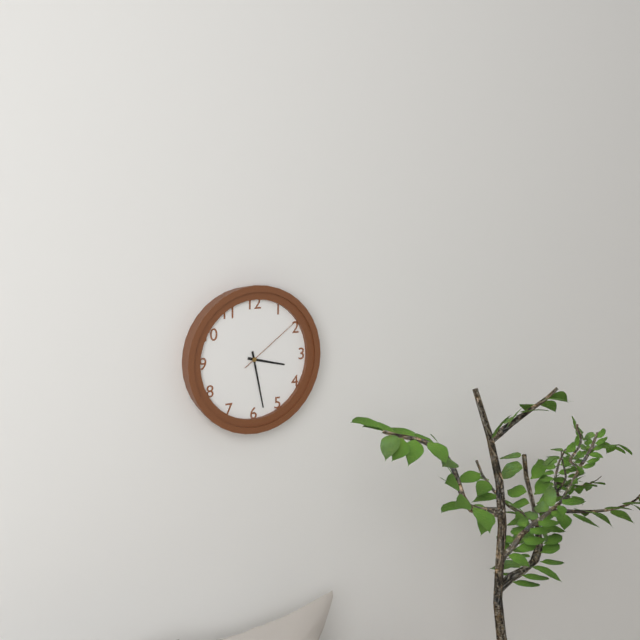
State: 3 h 28 min 09 s
